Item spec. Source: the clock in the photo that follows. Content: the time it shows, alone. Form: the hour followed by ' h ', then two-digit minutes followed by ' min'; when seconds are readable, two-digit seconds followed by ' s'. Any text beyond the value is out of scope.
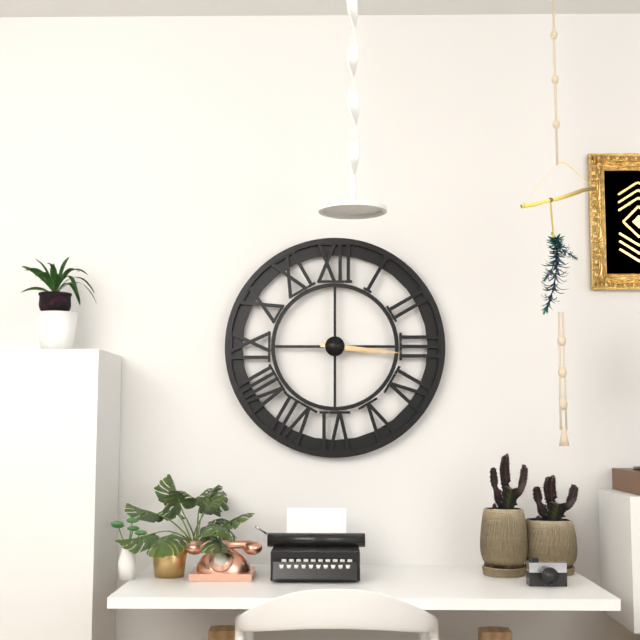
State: 3 h 16 min
